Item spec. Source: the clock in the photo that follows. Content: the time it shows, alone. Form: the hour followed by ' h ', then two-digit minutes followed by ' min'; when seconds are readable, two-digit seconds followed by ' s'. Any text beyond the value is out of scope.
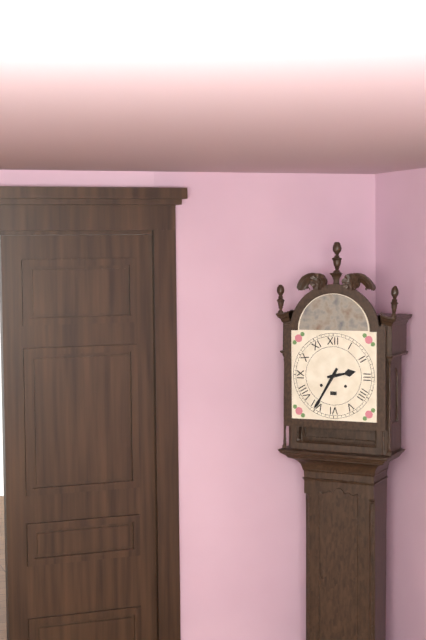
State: 2 h 35 min
